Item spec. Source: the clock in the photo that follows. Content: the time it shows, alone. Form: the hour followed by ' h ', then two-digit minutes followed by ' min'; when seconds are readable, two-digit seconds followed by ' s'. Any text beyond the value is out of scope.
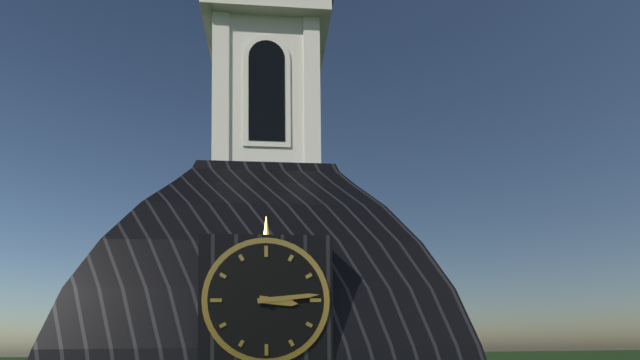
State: 3 h 14 min
